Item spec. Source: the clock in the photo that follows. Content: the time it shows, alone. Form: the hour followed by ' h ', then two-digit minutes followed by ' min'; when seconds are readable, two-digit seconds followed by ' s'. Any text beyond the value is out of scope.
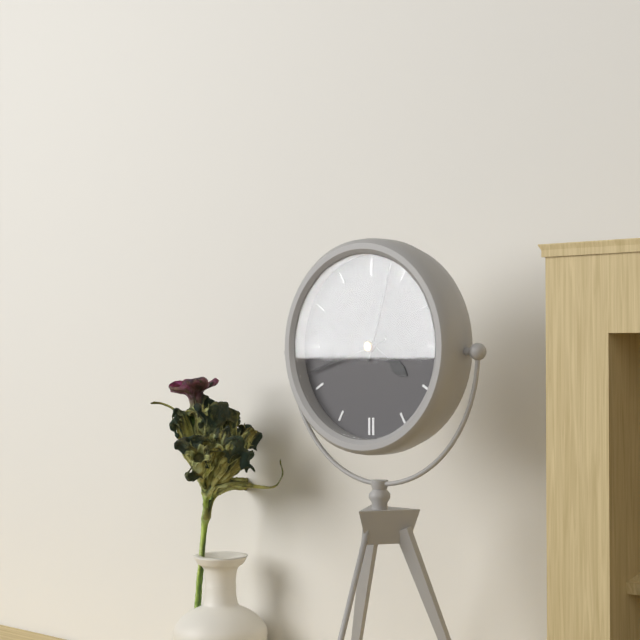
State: 4 h 03 min 42 s
